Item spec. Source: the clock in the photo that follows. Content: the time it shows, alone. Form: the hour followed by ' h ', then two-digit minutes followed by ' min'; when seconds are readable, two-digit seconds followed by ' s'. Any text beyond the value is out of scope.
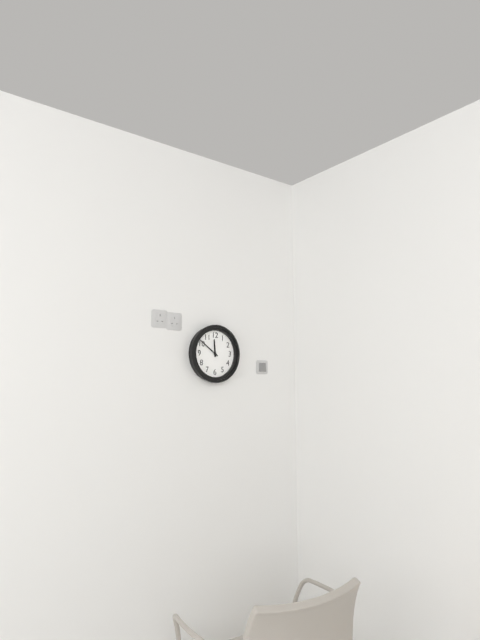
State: 11 h 51 min
